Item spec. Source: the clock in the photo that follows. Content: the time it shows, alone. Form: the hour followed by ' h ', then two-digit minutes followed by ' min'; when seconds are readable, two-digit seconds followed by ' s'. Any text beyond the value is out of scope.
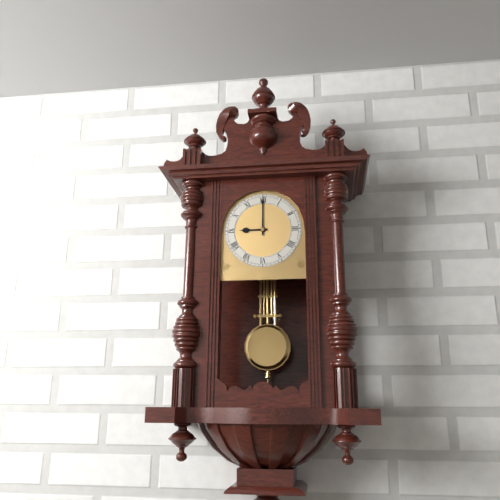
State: 9 h 00 min
